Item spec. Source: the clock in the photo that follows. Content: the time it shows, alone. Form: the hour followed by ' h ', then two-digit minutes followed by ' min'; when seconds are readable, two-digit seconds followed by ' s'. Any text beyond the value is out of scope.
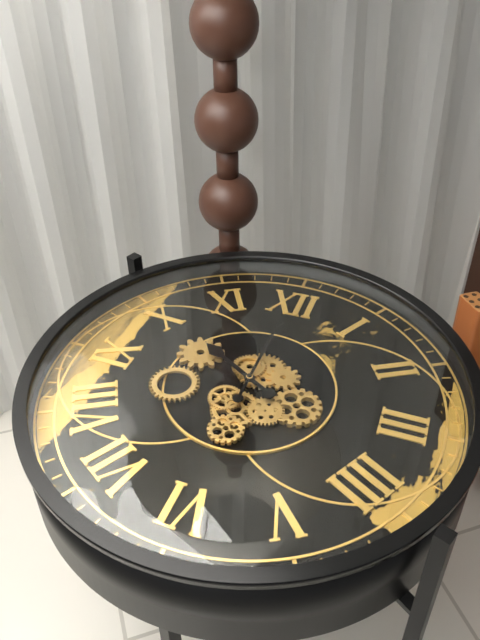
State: 10 h 00 min
